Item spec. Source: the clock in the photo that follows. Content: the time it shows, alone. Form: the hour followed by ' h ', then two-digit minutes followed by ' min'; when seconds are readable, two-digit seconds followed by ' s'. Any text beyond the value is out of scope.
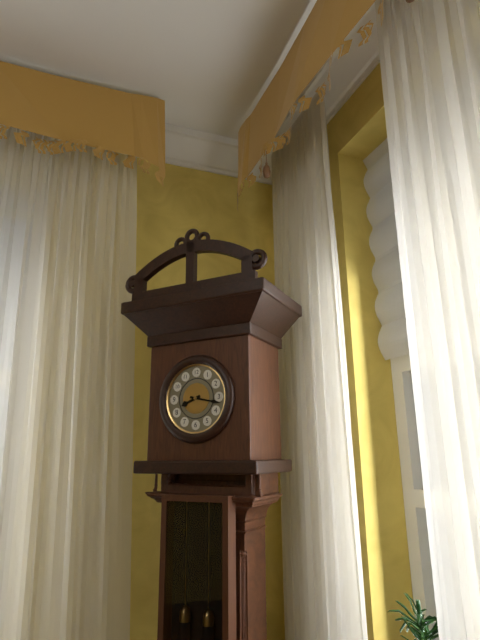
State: 8 h 17 min
